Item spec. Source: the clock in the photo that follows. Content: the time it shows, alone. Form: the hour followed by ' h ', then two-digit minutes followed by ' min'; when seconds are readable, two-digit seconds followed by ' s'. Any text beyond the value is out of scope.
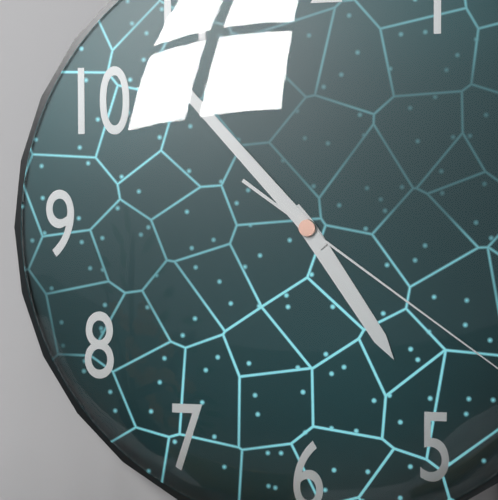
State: 4 h 53 min
